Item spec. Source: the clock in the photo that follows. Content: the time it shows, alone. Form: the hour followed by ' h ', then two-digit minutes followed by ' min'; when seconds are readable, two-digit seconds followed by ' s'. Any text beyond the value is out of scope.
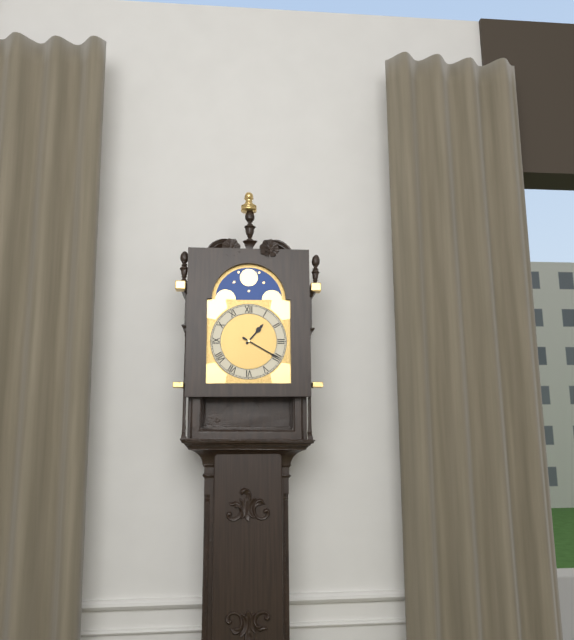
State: 1 h 20 min
